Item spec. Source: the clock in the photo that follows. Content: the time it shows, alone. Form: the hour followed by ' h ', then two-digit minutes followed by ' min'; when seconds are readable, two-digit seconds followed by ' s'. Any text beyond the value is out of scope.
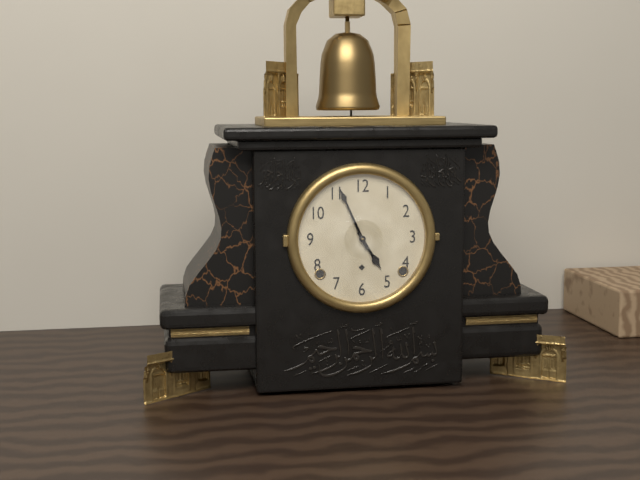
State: 4 h 56 min
